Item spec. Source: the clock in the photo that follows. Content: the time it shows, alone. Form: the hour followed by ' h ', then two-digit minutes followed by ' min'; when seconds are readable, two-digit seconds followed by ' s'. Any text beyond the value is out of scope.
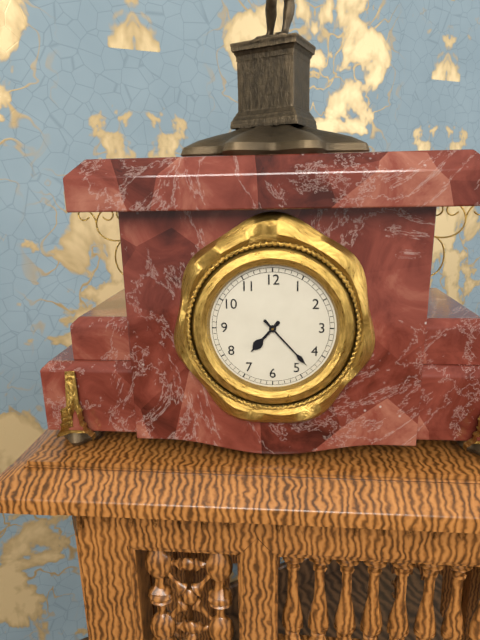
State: 7 h 23 min
